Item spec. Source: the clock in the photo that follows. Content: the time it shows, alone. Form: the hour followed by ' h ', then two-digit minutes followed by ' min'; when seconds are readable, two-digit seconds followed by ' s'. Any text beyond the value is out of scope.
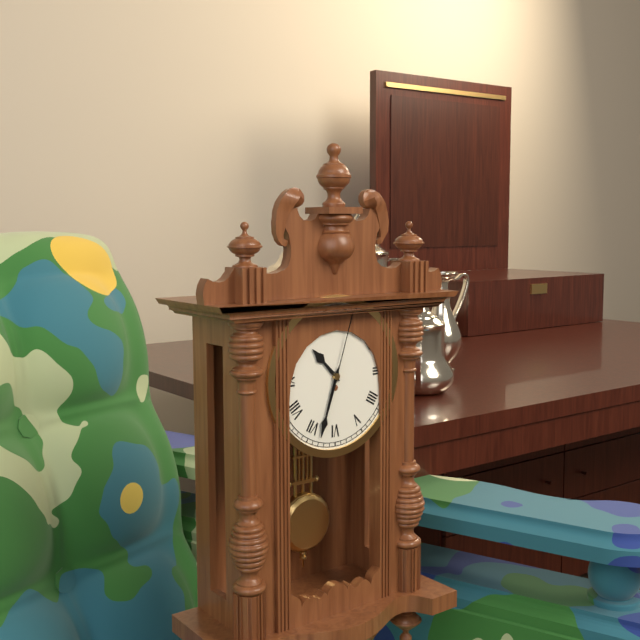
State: 10 h 33 min 03 s
